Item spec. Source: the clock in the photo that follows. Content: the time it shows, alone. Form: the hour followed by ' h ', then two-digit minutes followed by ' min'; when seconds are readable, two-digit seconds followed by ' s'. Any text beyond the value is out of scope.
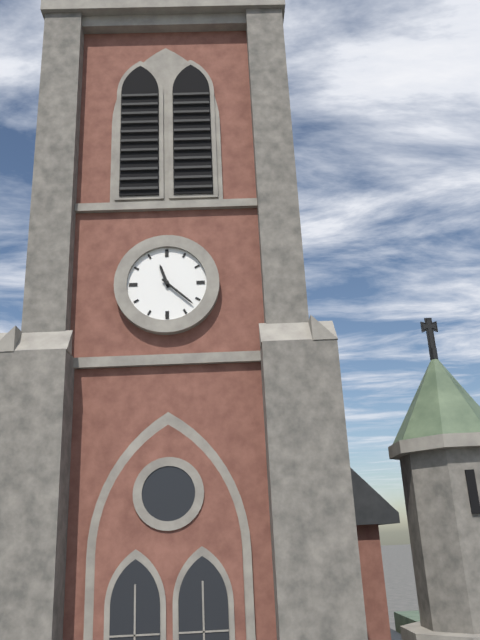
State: 11 h 22 min
